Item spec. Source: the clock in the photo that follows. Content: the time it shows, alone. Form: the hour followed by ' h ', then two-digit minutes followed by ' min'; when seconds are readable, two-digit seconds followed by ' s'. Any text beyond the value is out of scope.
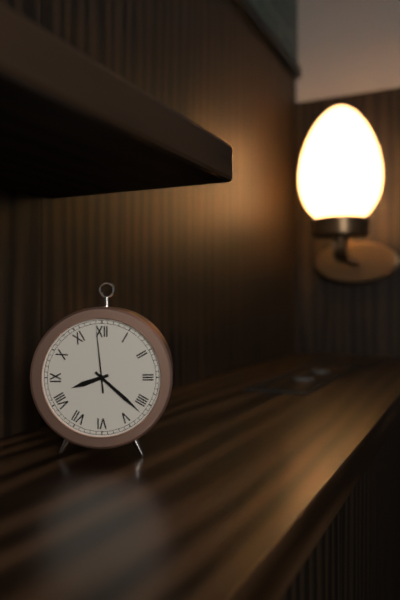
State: 8 h 22 min 59 s
